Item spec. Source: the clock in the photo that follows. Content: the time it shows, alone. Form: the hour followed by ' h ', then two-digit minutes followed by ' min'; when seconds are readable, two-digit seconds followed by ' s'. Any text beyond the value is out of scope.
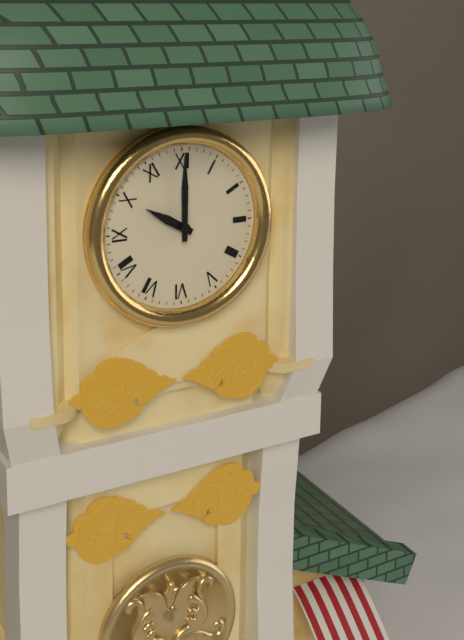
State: 10 h 00 min
